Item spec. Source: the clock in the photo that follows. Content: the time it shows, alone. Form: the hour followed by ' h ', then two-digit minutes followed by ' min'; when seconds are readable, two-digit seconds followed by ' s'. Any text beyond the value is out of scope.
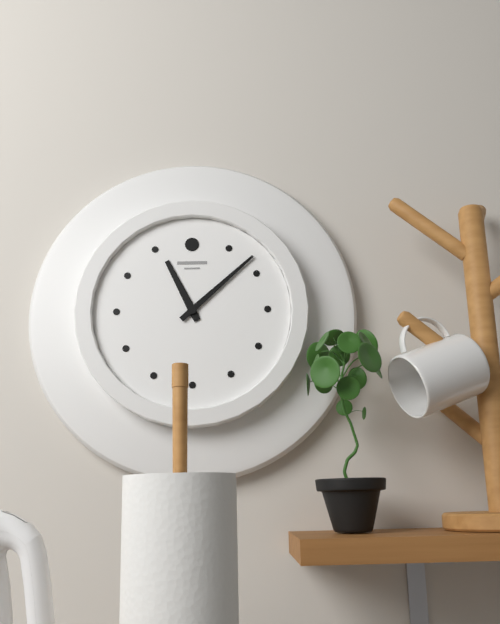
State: 11 h 08 min
